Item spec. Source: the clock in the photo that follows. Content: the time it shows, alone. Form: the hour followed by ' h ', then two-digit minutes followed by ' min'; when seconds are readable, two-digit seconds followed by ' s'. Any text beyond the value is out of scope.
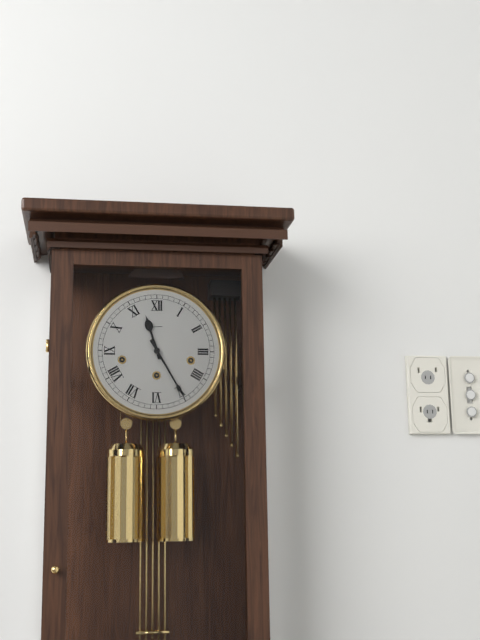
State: 11 h 25 min
